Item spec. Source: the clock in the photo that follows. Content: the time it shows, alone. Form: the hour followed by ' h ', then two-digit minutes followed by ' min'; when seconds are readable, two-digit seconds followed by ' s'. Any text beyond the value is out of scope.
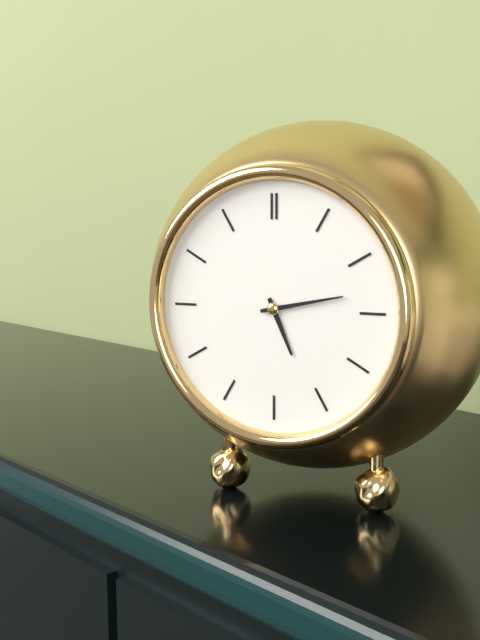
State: 5 h 13 min
